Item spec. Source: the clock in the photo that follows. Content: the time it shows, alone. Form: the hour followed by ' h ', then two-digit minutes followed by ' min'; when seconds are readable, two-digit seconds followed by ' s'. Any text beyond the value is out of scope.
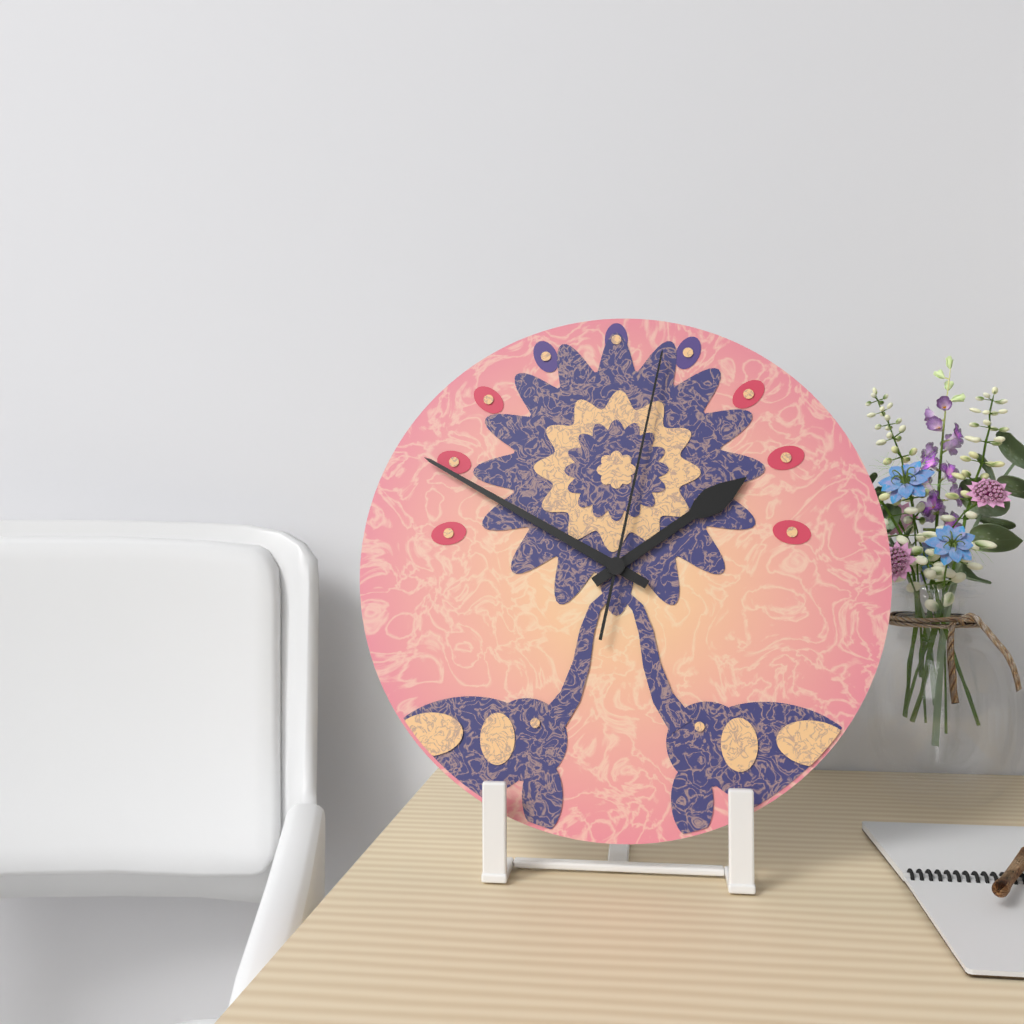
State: 1 h 50 min 02 s
